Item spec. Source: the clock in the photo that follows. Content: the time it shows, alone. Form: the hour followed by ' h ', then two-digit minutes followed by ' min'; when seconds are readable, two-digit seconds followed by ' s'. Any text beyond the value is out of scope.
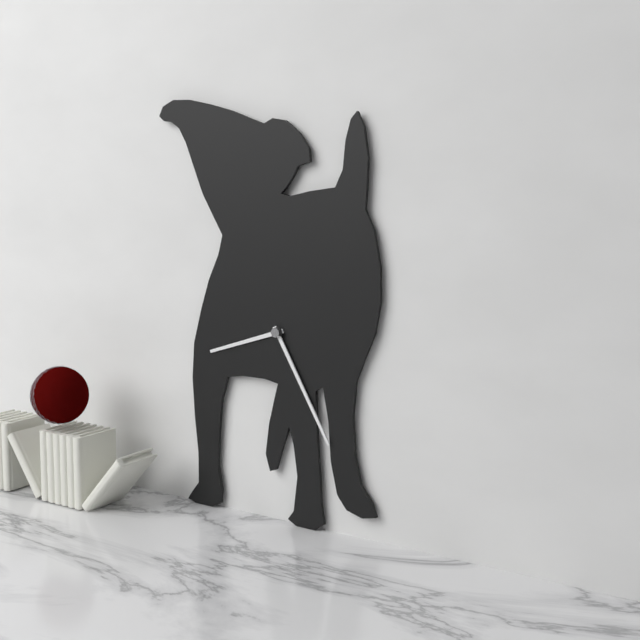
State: 8 h 25 min
